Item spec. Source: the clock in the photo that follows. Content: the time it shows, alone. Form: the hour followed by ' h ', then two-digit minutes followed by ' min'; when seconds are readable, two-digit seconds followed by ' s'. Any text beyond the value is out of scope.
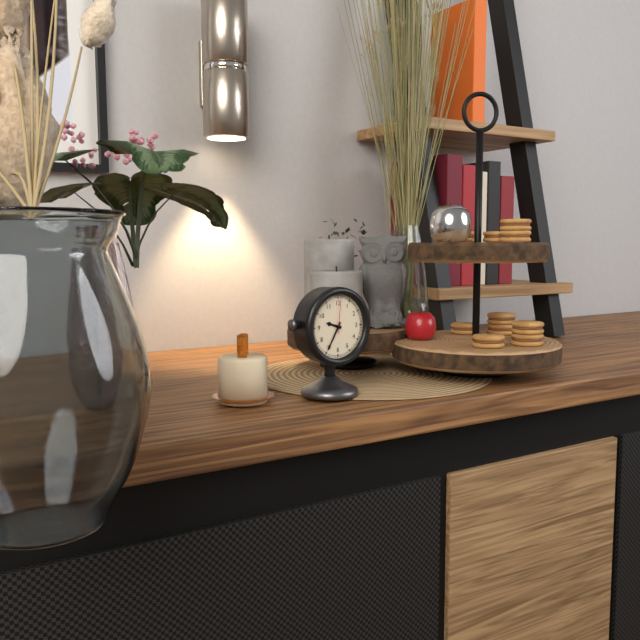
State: 9 h 35 min
